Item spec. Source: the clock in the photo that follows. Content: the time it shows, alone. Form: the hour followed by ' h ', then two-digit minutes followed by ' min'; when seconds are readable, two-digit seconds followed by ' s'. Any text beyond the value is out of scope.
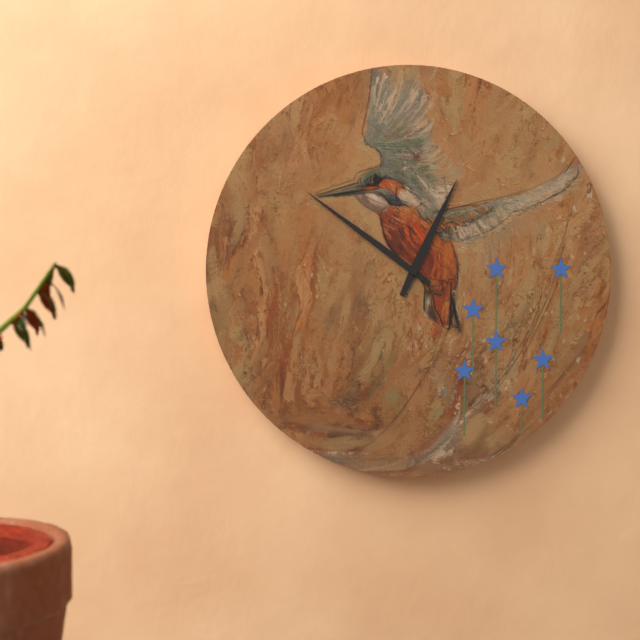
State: 12 h 51 min
